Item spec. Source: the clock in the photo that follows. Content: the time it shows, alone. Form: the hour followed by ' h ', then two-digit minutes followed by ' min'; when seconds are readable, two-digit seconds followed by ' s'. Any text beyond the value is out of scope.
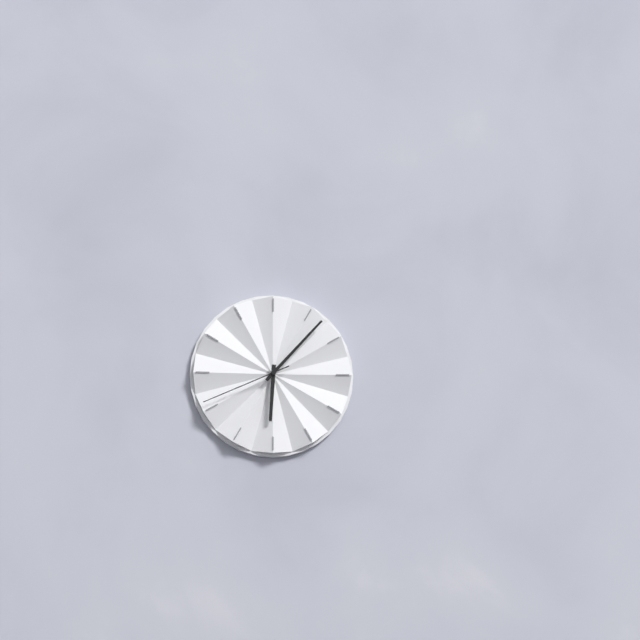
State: 6 h 07 min 41 s
